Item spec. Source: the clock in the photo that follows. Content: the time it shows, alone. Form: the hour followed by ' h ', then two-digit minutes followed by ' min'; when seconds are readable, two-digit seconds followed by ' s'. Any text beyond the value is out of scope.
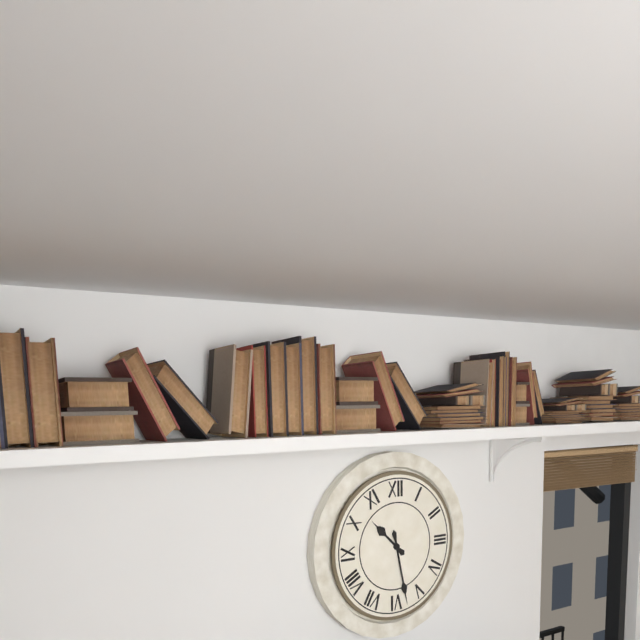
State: 10 h 28 min
